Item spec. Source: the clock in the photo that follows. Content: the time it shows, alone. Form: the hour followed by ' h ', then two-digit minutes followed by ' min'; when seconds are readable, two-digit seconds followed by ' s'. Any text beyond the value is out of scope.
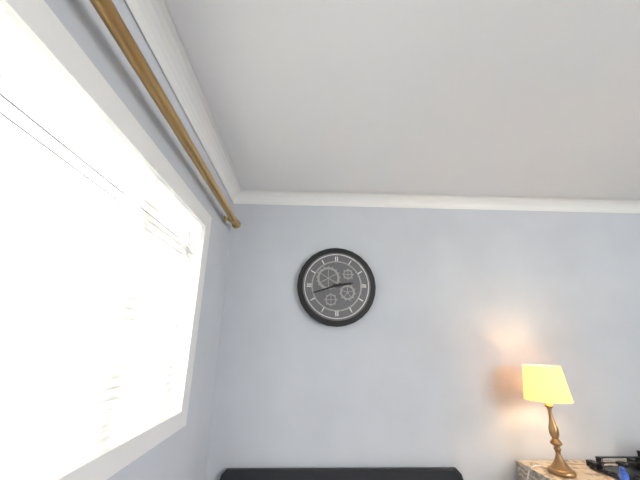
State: 2 h 42 min
